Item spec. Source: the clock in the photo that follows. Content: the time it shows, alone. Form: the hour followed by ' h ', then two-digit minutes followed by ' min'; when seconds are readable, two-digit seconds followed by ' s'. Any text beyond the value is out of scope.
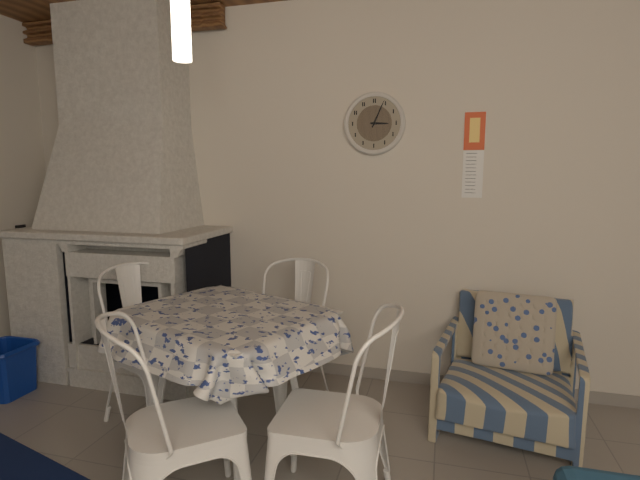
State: 3 h 04 min
